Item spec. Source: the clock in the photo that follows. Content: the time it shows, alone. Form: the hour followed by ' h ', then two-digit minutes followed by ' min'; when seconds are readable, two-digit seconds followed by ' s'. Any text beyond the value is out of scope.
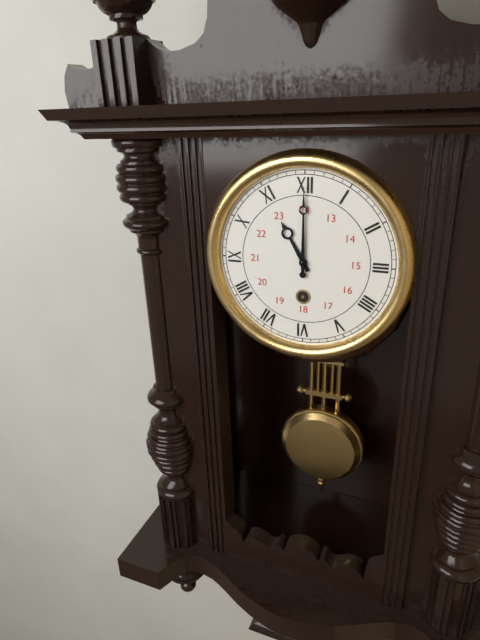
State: 11 h 00 min
